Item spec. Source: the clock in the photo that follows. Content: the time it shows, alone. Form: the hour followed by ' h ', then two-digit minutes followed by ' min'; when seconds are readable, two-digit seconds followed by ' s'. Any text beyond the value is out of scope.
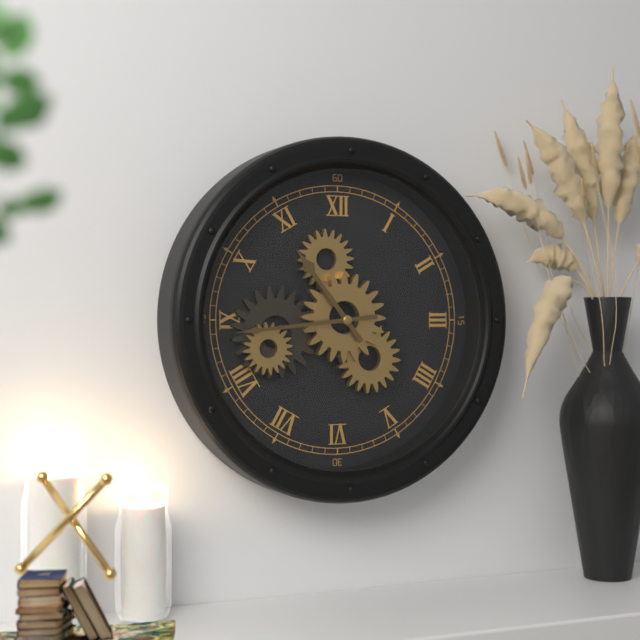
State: 10 h 44 min
